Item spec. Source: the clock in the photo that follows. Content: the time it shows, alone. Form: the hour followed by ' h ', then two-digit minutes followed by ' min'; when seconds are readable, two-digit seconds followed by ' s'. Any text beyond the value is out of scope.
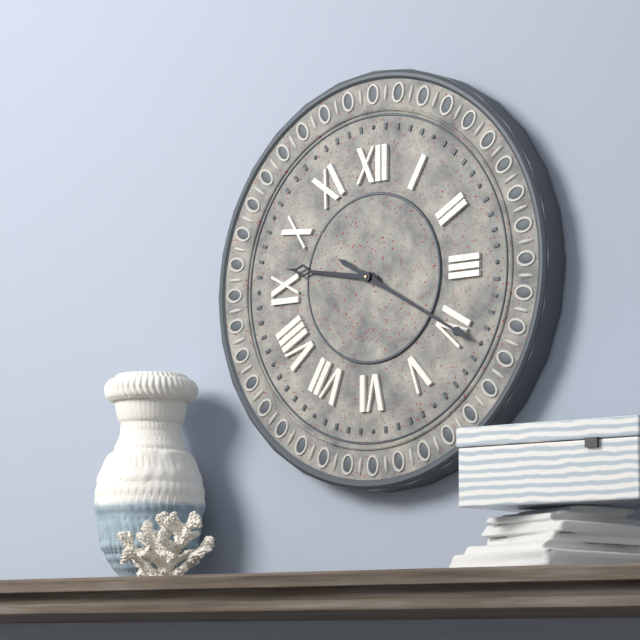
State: 9 h 20 min
